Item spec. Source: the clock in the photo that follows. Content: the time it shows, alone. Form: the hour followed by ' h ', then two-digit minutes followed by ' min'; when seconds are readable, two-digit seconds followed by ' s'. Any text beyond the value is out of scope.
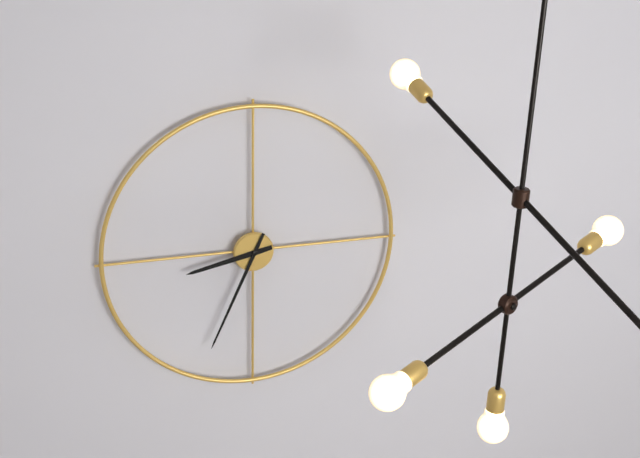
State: 8 h 34 min
